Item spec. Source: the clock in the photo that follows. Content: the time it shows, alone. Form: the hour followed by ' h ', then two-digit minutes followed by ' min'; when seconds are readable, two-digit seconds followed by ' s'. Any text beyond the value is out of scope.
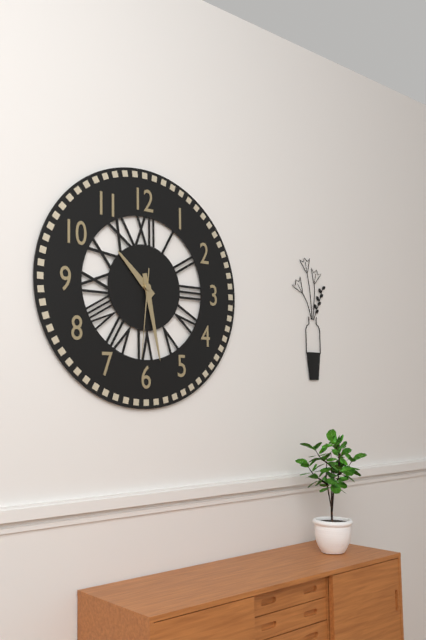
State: 10 h 28 min 31 s
